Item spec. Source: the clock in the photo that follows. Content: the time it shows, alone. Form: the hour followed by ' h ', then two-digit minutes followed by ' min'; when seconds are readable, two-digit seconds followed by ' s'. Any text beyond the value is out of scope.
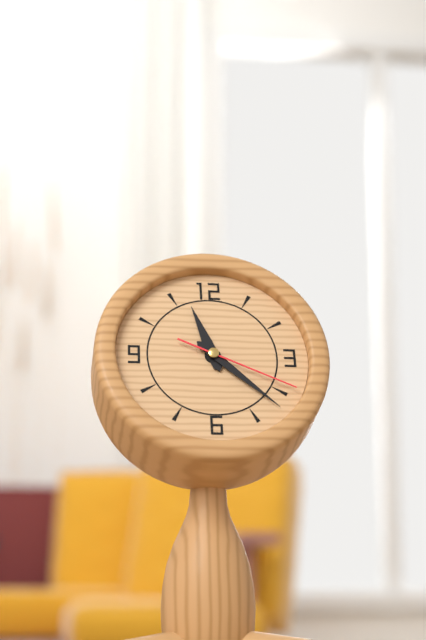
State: 11 h 22 min 19 s
